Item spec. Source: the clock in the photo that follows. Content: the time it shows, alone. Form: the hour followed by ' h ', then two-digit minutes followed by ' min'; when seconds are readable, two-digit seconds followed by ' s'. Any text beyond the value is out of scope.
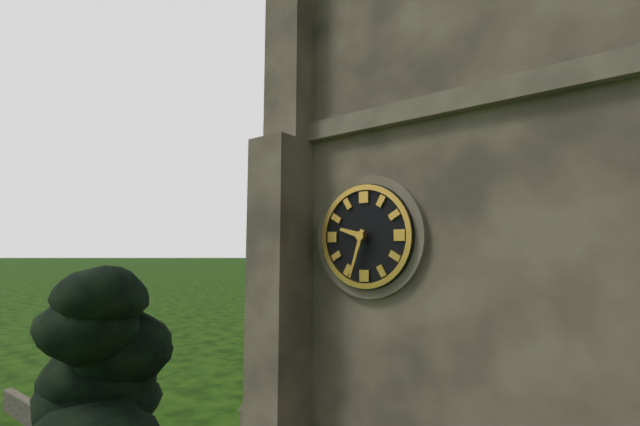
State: 9 h 33 min
